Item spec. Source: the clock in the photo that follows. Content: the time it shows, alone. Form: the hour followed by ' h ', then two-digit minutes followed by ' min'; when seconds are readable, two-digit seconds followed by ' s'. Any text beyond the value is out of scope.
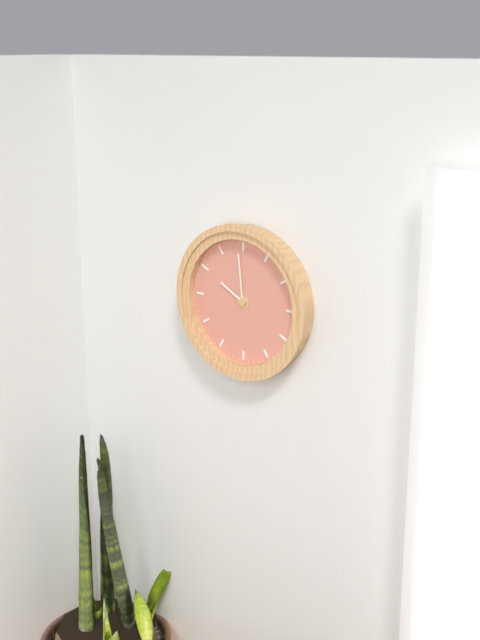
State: 9 h 59 min
